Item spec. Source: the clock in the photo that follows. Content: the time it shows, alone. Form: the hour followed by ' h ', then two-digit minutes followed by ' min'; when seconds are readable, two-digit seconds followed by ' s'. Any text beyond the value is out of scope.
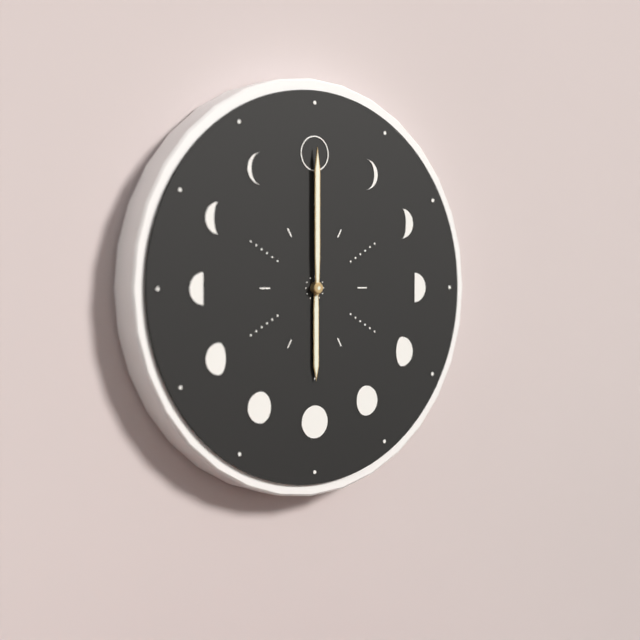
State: 6 h 00 min
